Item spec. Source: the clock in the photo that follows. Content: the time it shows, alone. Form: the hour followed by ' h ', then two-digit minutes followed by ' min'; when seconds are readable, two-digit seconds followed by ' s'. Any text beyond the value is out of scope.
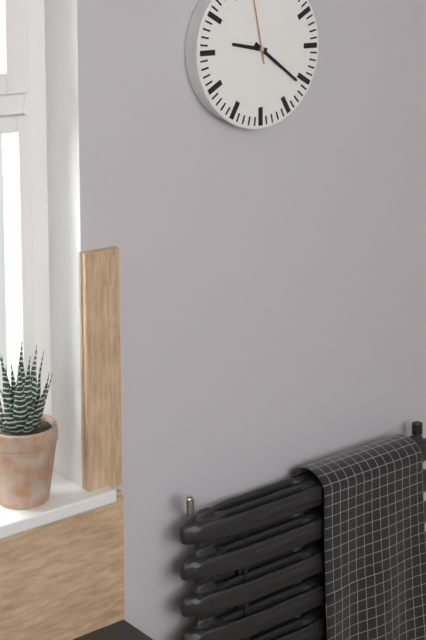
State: 9 h 21 min
